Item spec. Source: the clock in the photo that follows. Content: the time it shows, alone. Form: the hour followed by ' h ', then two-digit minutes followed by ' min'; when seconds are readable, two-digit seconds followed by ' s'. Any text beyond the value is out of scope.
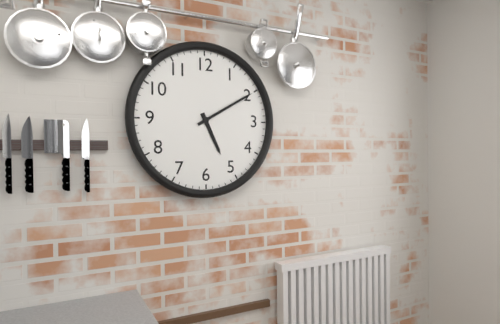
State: 5 h 10 min
